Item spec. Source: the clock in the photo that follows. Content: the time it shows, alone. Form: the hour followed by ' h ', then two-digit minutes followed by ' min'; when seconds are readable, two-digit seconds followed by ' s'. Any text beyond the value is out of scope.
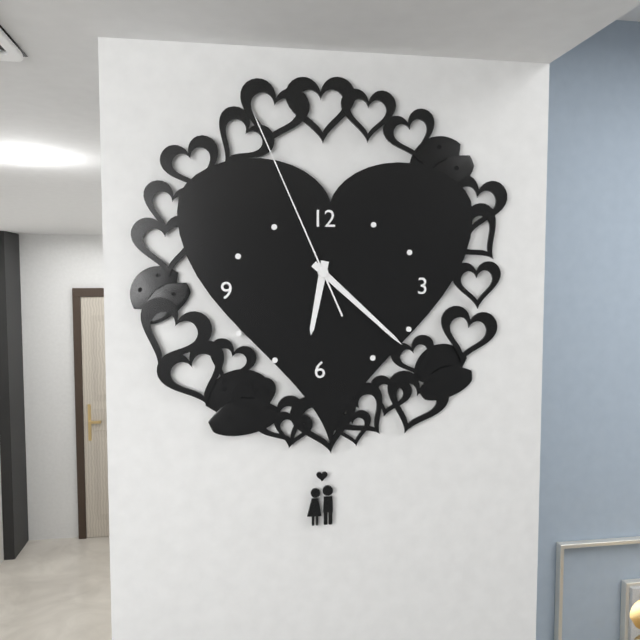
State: 6 h 22 min 56 s
